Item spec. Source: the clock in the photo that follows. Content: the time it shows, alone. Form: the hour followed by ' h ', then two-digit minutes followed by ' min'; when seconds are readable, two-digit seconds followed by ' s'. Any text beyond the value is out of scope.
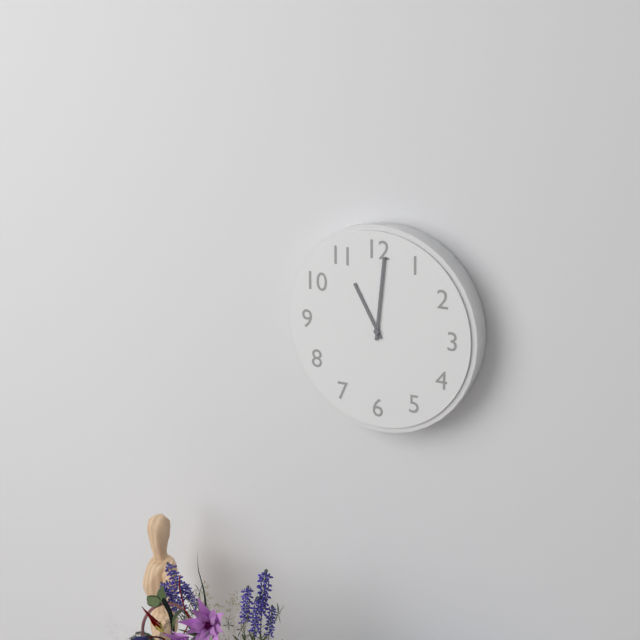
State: 11 h 01 min
